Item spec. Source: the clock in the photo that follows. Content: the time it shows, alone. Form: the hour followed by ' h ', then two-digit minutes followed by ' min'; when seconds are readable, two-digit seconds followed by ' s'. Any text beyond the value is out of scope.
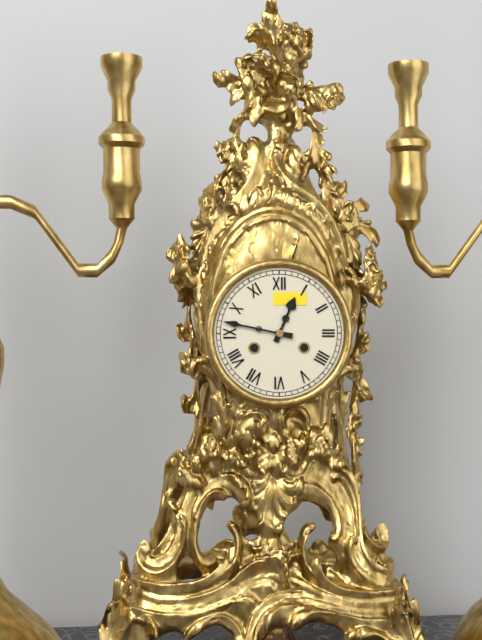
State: 12 h 47 min
